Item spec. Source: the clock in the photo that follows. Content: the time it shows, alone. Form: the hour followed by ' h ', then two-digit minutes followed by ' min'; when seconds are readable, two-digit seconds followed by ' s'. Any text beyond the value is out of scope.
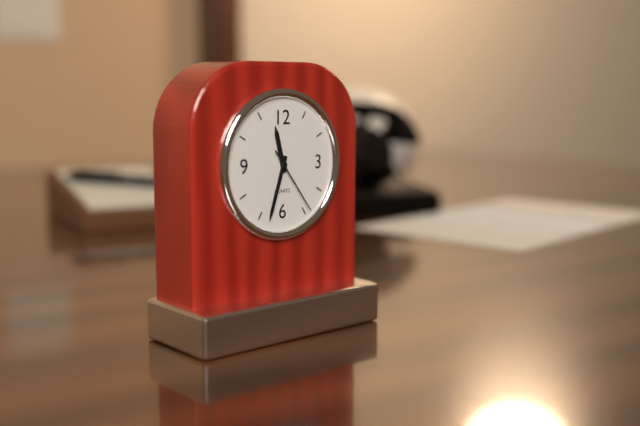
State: 11 h 33 min 24 s
